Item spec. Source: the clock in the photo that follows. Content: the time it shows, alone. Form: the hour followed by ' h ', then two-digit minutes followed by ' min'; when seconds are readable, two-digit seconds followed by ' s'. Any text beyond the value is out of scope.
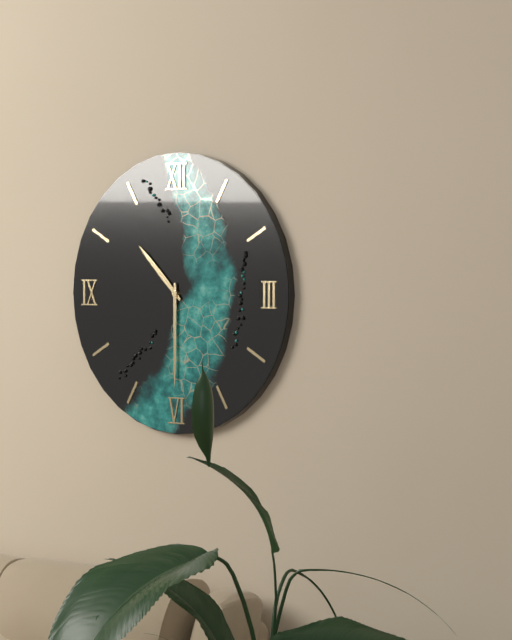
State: 10 h 30 min
